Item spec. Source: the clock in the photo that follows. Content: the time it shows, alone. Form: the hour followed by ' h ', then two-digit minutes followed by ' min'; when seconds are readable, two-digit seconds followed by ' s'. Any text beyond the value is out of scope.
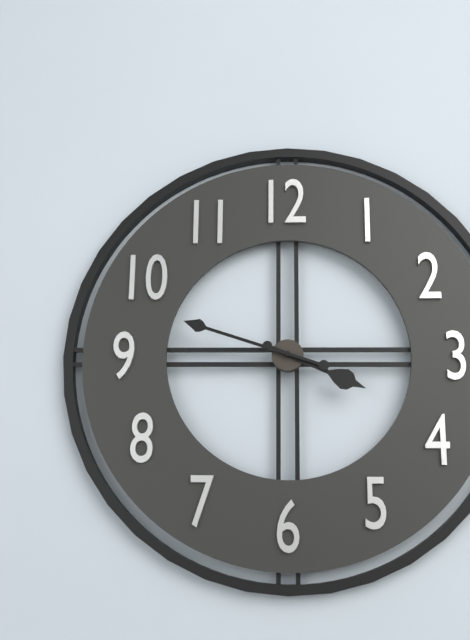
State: 3 h 48 min
